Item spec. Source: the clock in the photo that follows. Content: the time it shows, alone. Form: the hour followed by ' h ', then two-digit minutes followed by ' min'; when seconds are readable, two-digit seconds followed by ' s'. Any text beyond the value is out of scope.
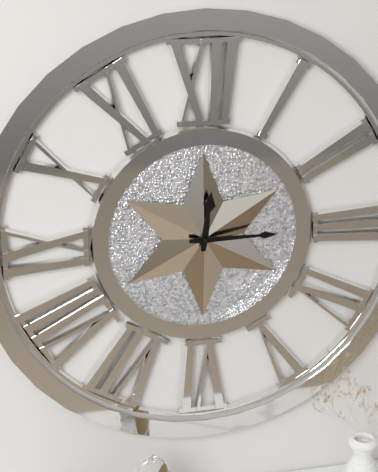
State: 12 h 15 min
